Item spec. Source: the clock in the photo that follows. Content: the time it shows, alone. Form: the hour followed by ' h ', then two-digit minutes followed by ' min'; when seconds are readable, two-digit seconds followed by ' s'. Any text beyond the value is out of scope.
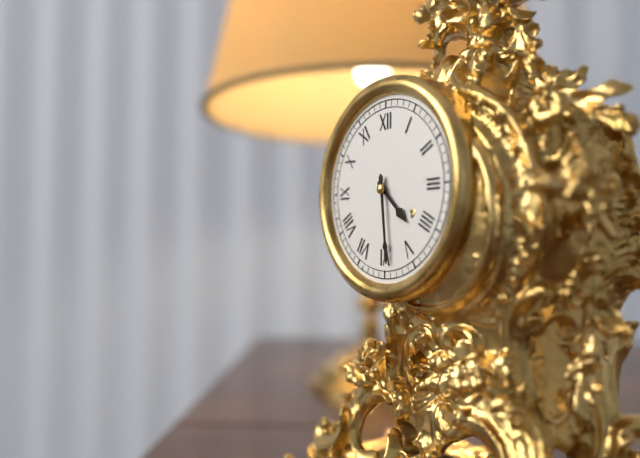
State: 4 h 29 min
